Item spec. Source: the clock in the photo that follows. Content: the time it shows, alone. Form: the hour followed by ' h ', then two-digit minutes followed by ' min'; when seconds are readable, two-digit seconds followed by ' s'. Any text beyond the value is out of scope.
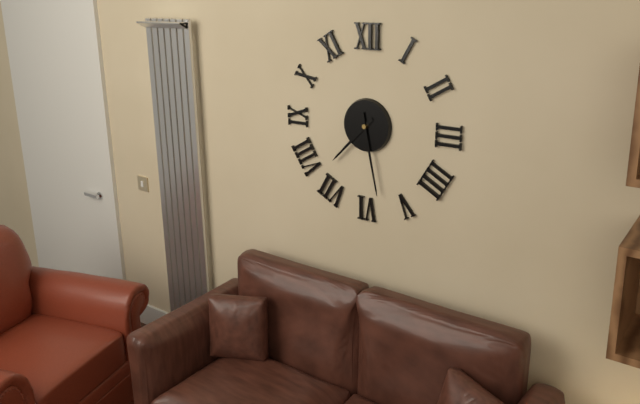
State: 7 h 28 min
